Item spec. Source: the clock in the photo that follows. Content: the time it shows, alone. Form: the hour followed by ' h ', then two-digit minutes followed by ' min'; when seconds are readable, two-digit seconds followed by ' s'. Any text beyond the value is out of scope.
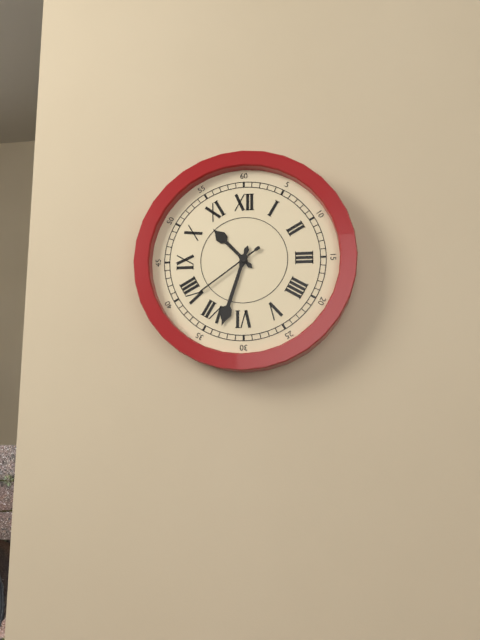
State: 10 h 33 min 39 s
